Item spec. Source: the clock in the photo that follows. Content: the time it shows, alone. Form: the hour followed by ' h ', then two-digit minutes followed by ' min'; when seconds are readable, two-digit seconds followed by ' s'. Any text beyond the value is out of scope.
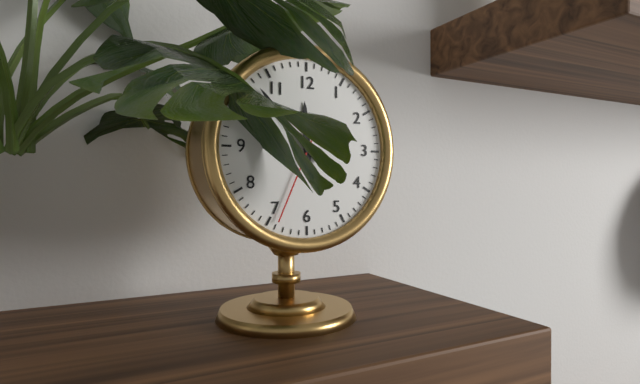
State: 11 h 53 min 34 s
